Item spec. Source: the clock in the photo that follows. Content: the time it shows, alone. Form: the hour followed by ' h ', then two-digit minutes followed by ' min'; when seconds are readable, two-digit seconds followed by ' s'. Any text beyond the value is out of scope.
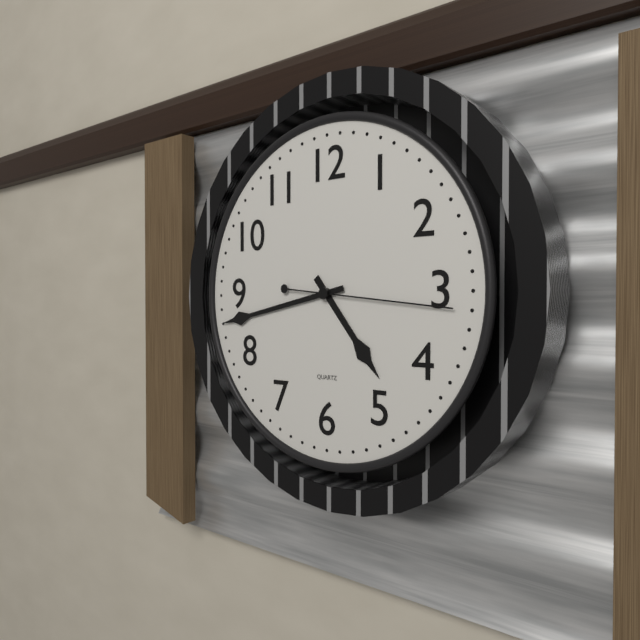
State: 4 h 43 min 16 s
